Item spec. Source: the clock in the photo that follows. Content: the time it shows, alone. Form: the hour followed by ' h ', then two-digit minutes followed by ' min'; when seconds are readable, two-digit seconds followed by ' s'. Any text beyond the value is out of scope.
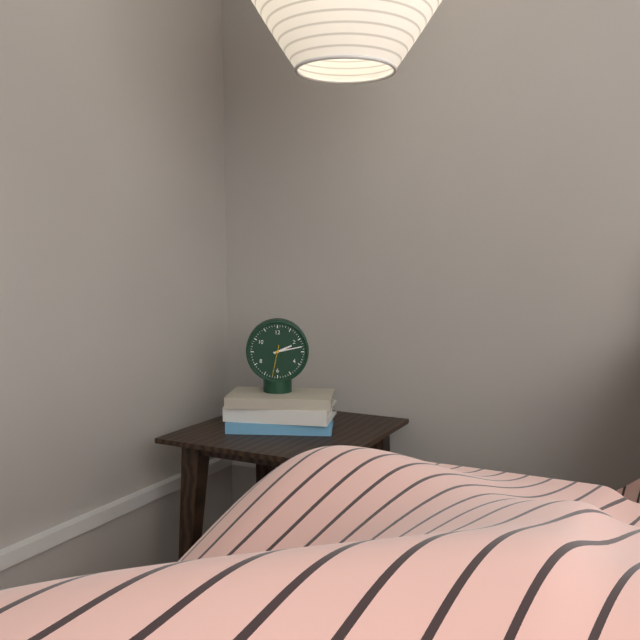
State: 2 h 13 min
